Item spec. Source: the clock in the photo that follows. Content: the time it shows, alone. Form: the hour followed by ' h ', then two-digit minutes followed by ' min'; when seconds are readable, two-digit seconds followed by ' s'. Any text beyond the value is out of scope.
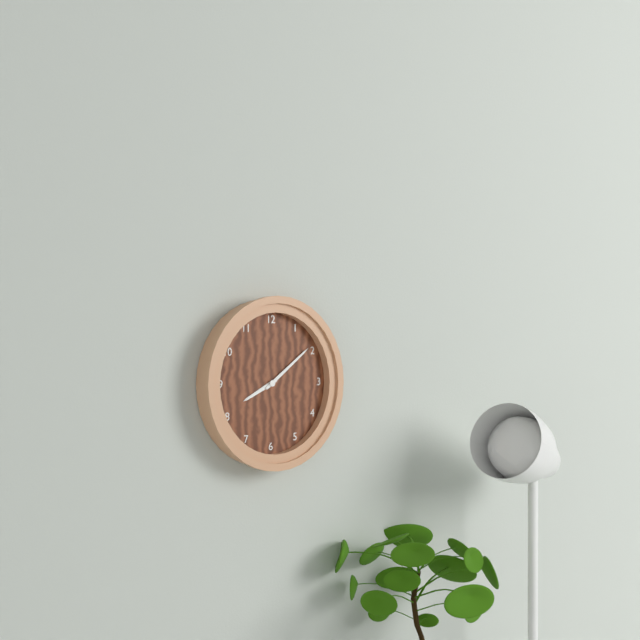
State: 8 h 09 min
